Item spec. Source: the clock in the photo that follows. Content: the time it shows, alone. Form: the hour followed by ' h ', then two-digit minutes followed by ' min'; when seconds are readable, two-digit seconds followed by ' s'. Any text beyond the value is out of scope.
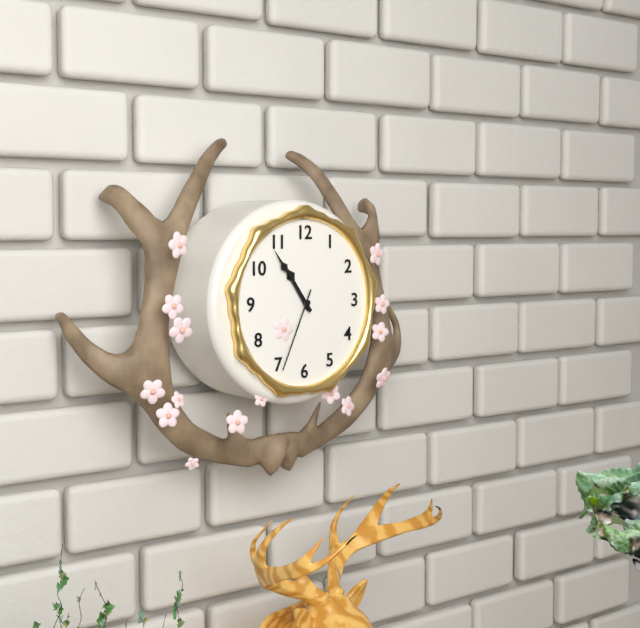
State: 10 h 54 min 34 s
